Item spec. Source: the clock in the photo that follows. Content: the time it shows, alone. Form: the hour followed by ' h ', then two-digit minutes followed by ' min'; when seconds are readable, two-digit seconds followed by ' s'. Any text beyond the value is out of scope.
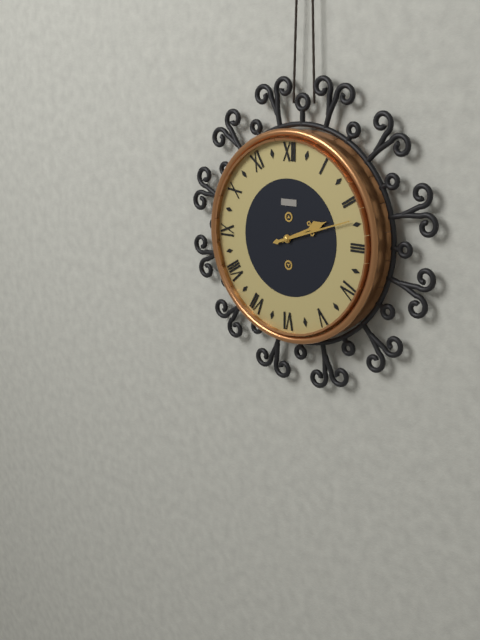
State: 2 h 12 min
